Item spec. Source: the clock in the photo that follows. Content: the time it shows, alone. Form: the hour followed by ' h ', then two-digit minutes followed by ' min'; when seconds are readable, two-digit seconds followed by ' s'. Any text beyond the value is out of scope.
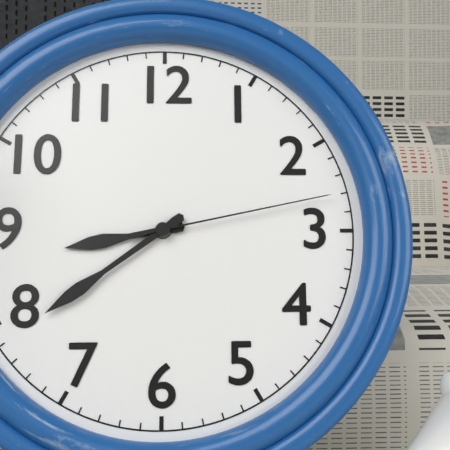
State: 8 h 39 min 13 s
